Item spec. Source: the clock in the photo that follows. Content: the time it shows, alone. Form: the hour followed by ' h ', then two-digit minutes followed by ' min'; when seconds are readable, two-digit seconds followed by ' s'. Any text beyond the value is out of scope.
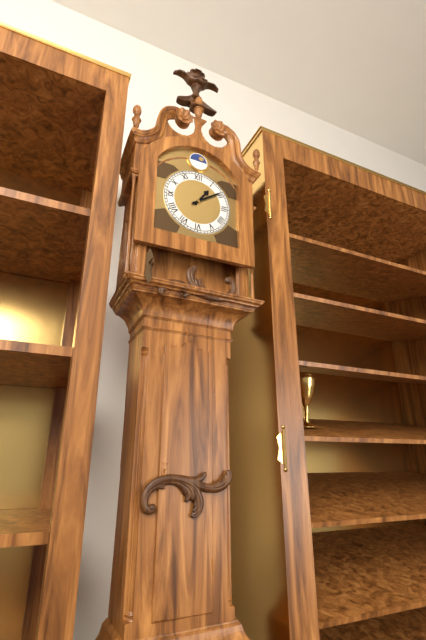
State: 1 h 09 min
